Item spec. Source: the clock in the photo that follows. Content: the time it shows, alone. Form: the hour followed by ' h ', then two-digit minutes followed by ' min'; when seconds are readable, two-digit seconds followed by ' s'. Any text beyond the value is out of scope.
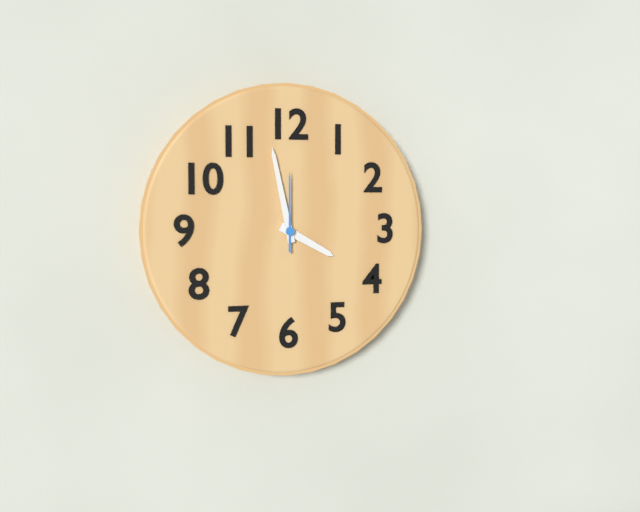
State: 3 h 58 min 00 s
